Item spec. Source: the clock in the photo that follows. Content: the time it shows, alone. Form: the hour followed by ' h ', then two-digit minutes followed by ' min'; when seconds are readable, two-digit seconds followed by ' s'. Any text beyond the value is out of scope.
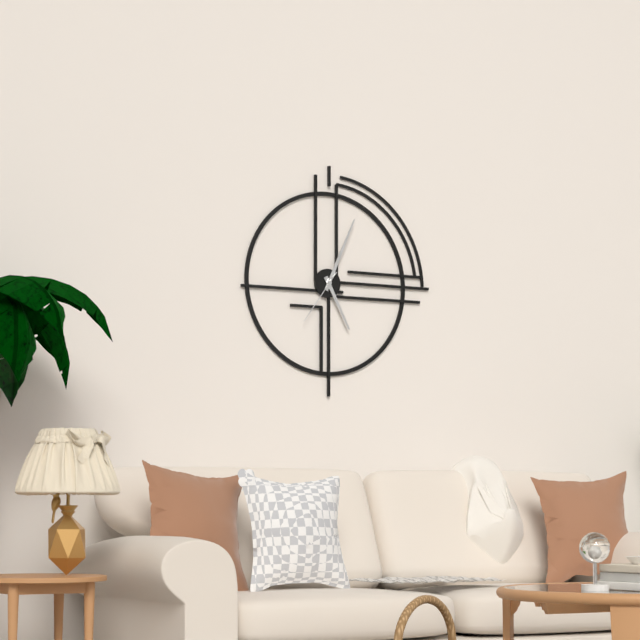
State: 5 h 04 min 36 s
